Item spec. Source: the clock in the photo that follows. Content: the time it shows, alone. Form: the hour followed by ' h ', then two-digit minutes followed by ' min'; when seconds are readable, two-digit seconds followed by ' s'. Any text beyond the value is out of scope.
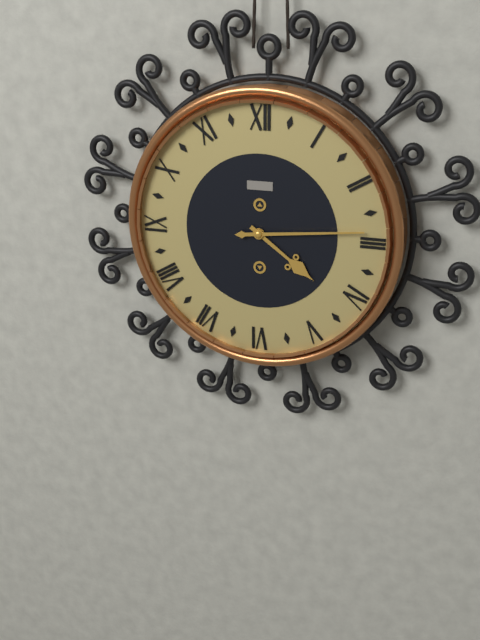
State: 4 h 14 min
